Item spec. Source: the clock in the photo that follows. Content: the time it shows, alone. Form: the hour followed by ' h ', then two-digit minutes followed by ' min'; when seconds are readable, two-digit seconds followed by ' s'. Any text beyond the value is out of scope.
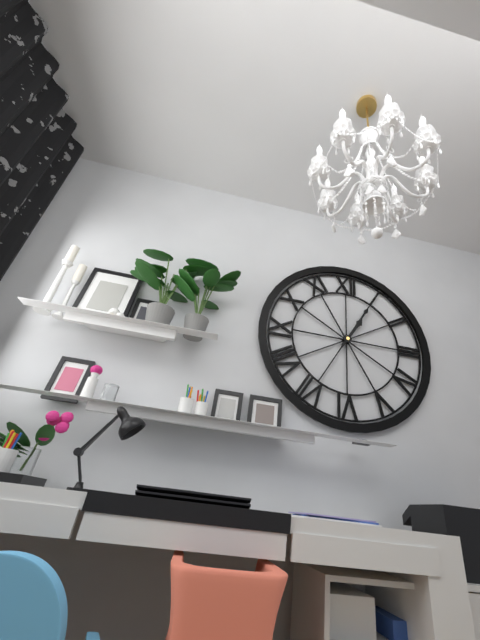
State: 1 h 05 min
